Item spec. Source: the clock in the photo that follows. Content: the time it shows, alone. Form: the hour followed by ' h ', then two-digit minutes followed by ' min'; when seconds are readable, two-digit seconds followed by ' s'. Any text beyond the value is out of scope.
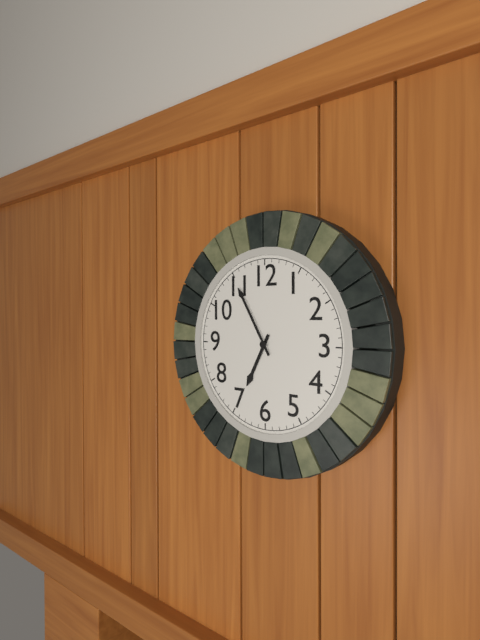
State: 6 h 55 min
